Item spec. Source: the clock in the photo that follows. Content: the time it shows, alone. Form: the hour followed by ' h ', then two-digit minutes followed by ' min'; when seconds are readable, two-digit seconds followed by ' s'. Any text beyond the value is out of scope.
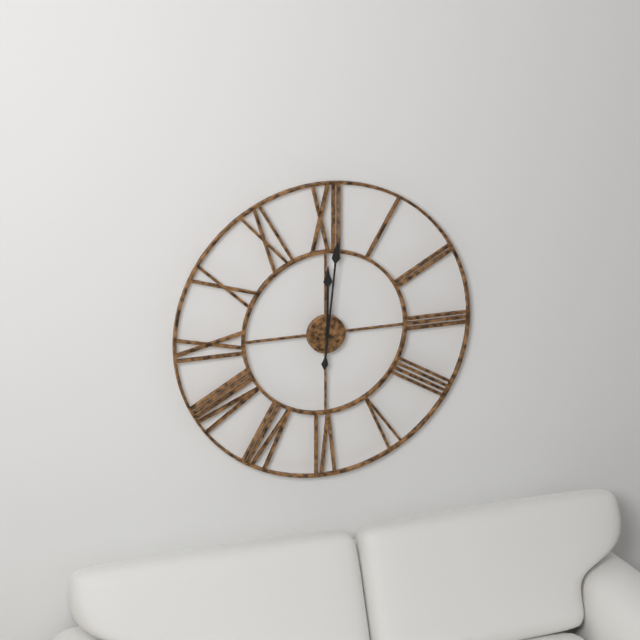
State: 12 h 01 min
